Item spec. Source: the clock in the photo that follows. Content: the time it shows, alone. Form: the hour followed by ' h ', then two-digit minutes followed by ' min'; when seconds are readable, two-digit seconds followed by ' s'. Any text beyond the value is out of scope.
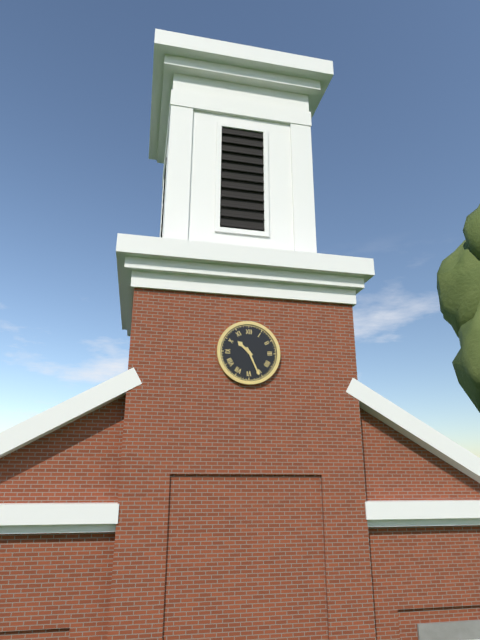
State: 10 h 26 min
